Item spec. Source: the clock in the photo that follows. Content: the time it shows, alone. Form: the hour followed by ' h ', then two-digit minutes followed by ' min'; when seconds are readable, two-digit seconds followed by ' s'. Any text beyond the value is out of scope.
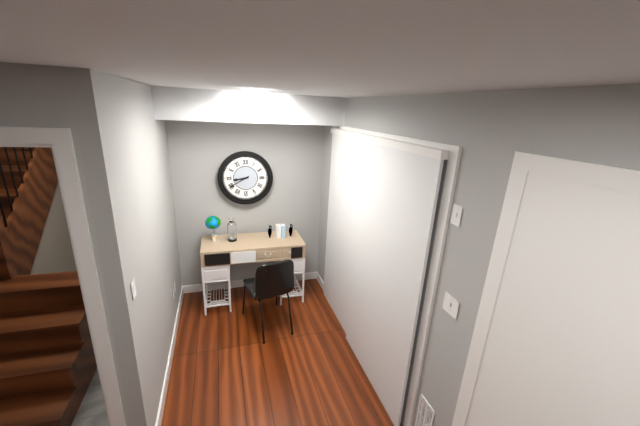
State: 8 h 40 min
